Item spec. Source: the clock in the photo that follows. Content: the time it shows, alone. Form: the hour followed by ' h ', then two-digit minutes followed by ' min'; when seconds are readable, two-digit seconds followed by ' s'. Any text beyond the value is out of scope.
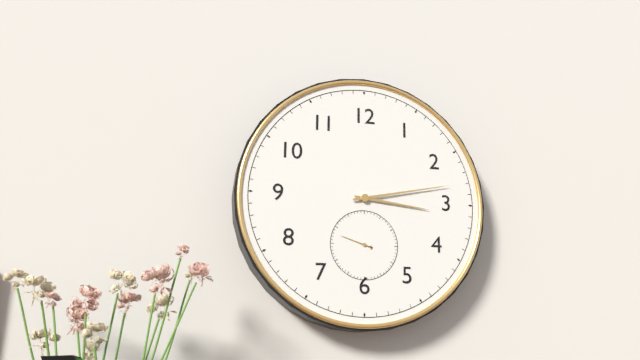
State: 3 h 13 min
